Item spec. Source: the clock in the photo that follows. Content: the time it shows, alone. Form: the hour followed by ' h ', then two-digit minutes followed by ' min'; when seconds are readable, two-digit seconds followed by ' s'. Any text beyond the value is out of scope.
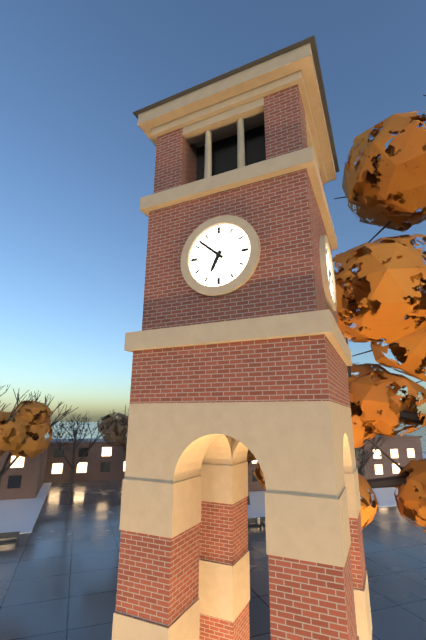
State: 6 h 52 min
